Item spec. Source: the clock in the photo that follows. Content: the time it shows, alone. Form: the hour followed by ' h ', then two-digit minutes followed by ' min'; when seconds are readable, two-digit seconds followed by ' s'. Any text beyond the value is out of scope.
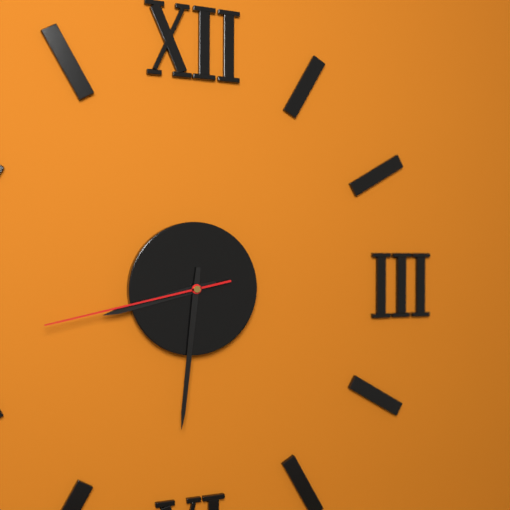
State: 8 h 31 min 43 s
